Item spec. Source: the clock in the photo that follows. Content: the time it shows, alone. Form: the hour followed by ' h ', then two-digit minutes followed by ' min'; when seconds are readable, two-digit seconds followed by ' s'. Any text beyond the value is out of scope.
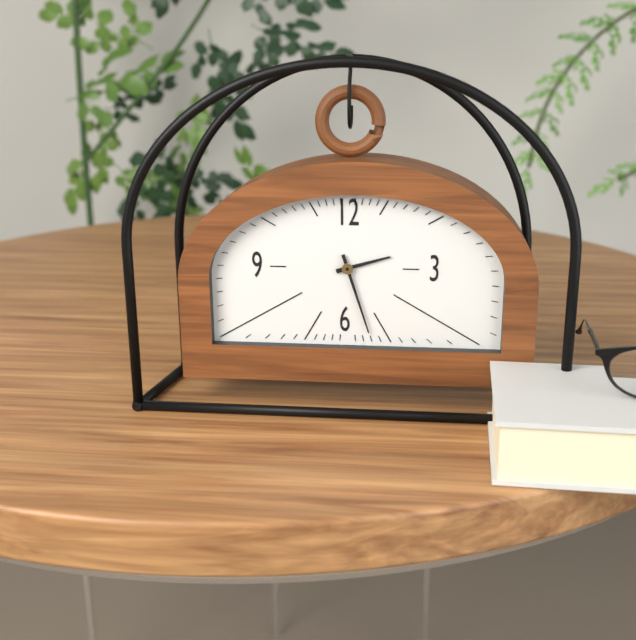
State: 2 h 27 min
